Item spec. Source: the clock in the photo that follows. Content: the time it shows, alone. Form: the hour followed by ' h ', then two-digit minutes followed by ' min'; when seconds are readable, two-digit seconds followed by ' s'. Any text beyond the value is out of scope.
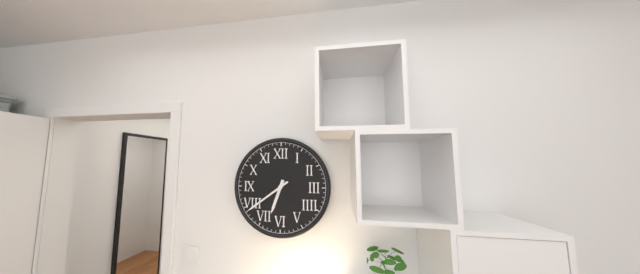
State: 6 h 39 min
